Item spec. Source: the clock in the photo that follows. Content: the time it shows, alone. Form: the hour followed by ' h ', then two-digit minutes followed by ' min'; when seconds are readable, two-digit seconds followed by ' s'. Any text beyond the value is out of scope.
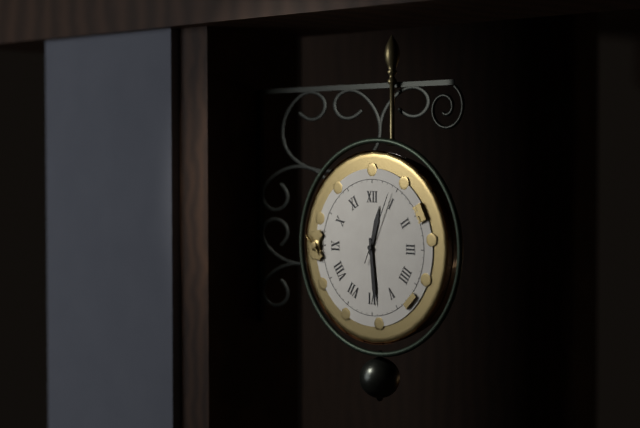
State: 12 h 29 min 04 s
